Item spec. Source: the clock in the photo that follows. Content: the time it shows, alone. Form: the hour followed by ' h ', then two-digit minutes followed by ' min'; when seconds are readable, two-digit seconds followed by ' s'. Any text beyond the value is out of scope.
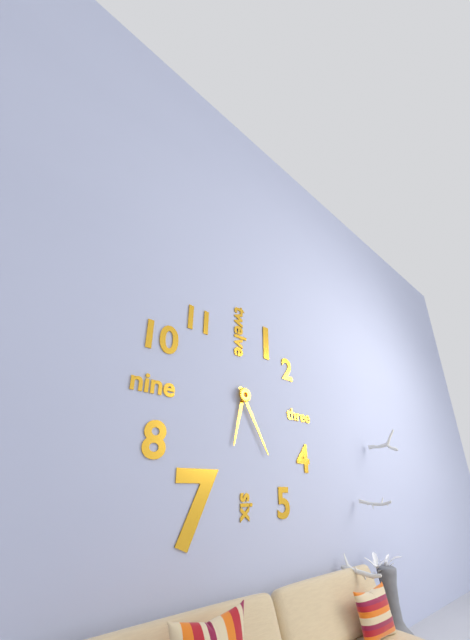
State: 6 h 25 min
